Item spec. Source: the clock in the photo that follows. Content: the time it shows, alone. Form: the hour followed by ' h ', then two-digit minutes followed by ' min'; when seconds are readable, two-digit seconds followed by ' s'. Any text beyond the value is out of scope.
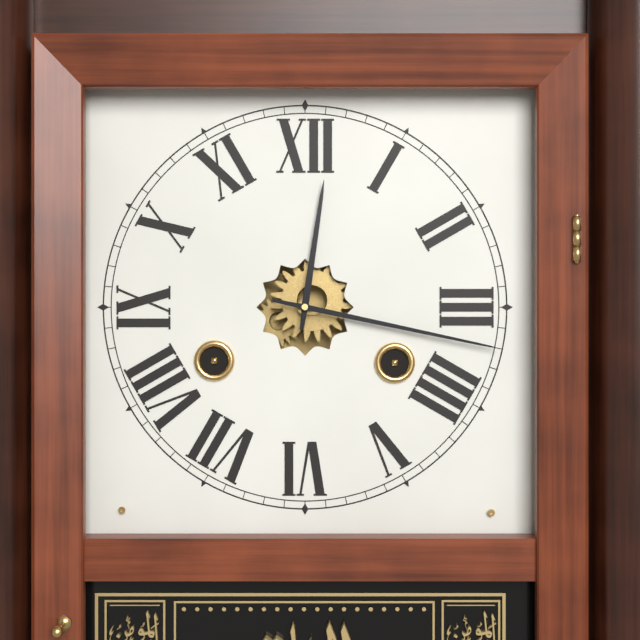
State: 12 h 17 min
